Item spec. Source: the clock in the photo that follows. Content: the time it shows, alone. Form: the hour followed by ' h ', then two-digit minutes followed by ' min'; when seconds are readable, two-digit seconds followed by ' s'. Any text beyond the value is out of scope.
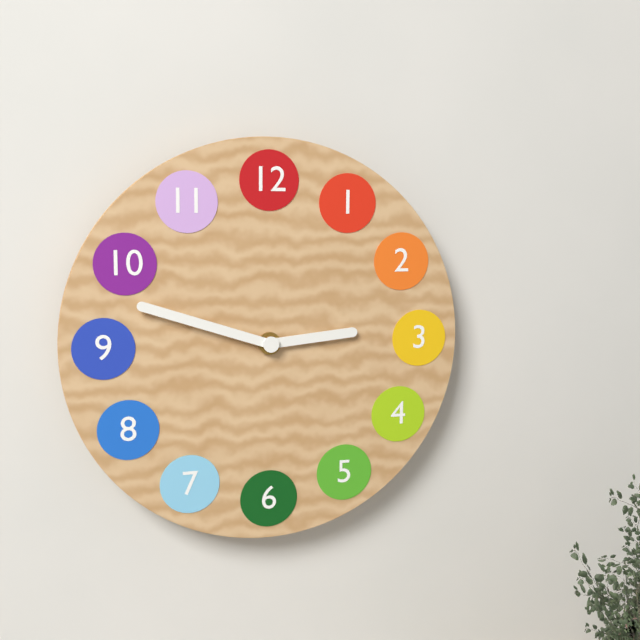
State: 2 h 48 min
